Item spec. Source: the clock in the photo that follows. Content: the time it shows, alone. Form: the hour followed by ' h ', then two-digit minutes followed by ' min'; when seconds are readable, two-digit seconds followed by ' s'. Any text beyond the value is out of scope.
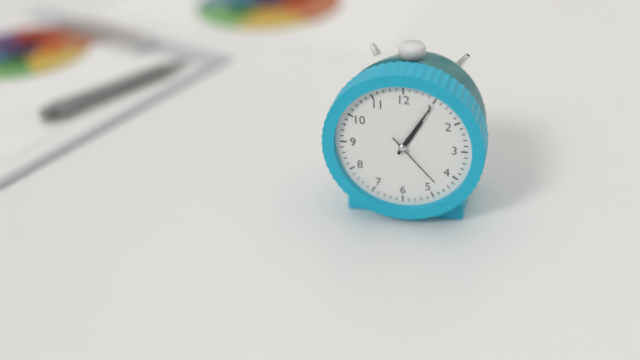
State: 1 h 05 min 23 s
